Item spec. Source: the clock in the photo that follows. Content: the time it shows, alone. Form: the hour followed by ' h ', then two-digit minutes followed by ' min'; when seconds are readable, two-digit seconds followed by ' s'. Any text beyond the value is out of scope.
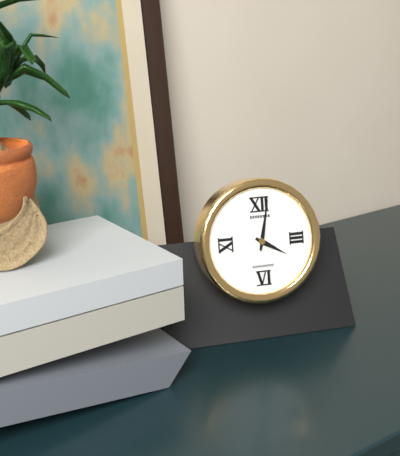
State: 4 h 02 min
